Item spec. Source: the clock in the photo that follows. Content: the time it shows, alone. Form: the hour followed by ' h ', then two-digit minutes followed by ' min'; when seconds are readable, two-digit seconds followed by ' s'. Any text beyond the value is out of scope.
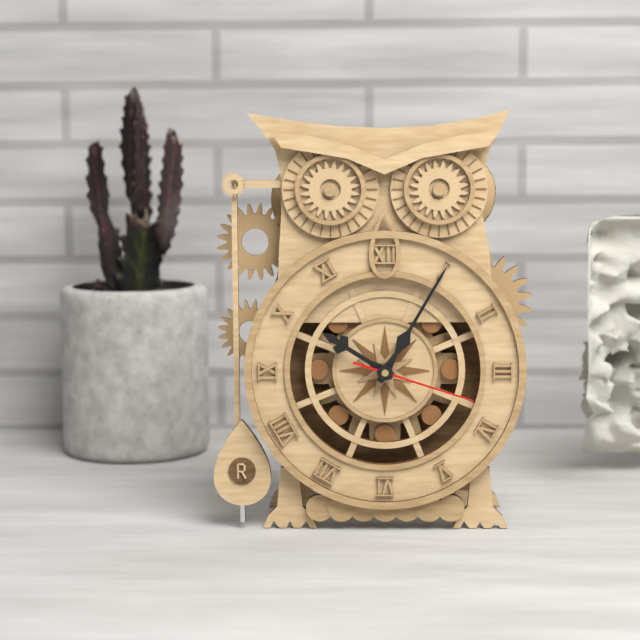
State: 10 h 05 min 18 s
